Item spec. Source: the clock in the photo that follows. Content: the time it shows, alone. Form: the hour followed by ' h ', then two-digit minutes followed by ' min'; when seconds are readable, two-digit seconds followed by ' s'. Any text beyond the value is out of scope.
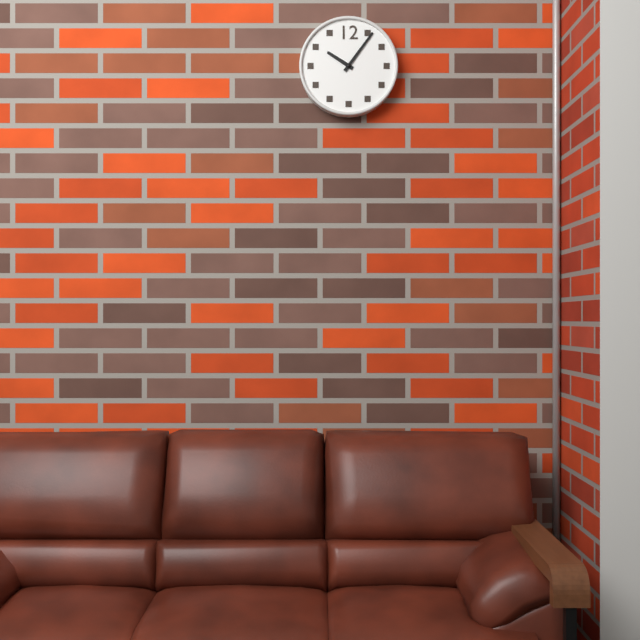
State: 10 h 06 min
